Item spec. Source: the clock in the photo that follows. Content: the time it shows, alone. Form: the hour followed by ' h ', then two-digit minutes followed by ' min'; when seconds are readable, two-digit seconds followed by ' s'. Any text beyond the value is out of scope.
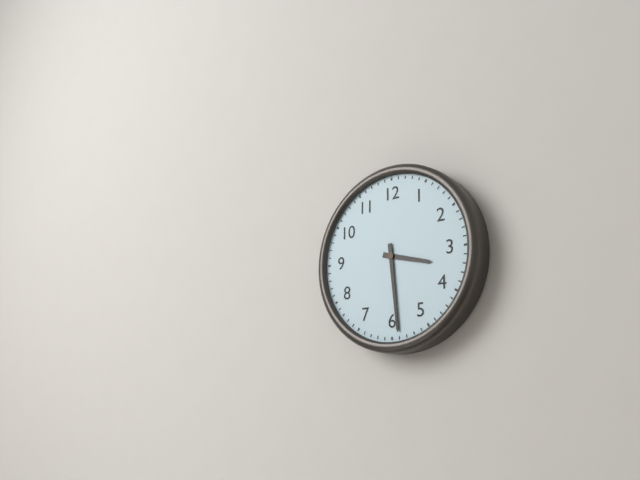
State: 3 h 29 min
